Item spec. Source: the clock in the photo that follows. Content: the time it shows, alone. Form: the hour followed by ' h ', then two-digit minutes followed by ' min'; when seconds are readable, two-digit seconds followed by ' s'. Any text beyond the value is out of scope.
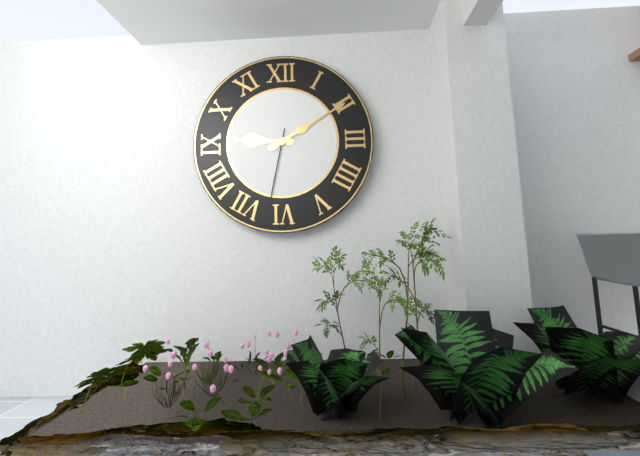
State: 9 h 10 min 32 s
